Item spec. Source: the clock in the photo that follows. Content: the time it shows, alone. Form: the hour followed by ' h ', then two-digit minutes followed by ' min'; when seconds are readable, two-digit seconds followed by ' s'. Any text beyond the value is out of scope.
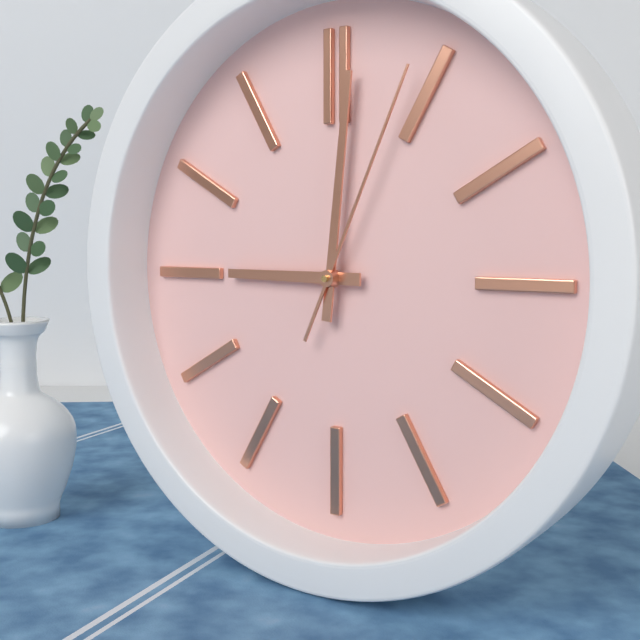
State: 9 h 01 min 04 s
